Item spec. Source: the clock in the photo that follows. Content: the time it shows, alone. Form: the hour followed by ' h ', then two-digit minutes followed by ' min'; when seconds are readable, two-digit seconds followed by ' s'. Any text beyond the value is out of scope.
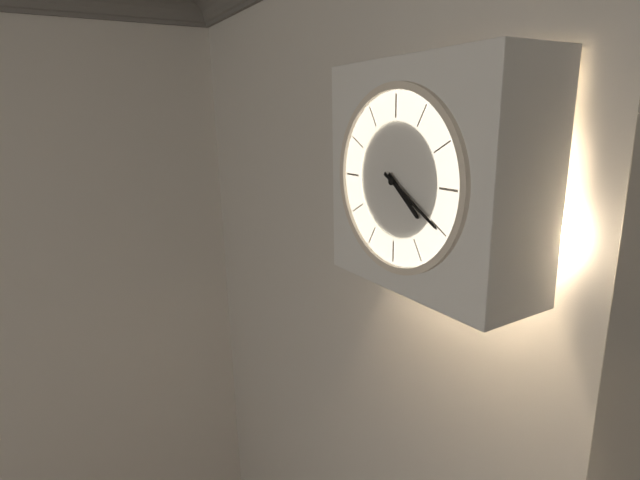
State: 4 h 20 min
